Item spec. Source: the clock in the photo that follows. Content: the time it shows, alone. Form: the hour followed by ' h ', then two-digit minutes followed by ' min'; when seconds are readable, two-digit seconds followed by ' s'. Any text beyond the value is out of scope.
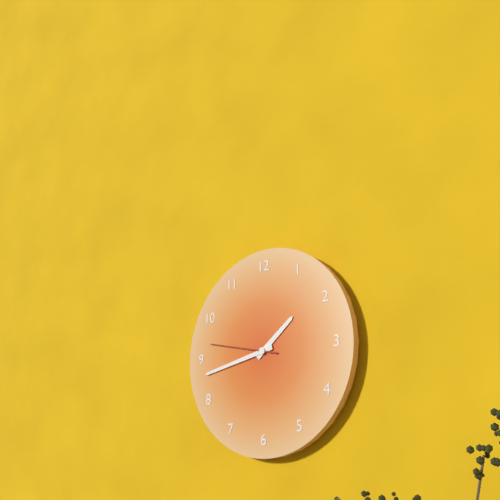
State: 1 h 43 min 47 s
